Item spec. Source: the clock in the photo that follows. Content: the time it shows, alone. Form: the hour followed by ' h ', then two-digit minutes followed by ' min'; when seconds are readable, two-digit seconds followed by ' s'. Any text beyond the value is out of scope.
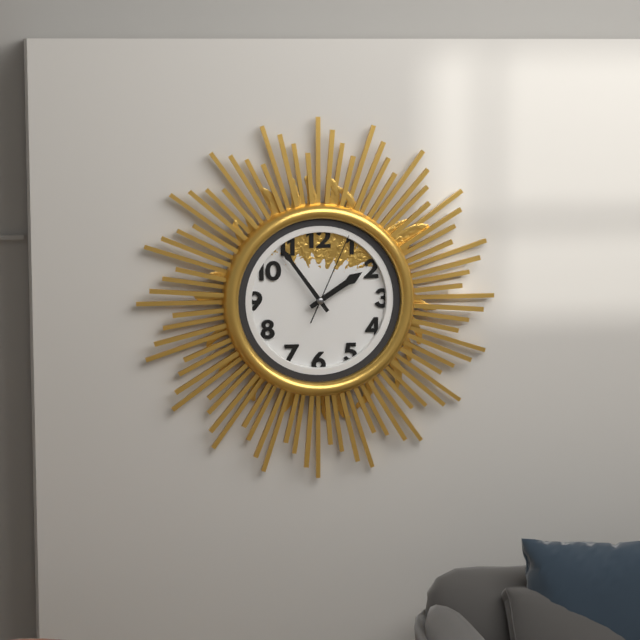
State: 1 h 54 min 04 s
